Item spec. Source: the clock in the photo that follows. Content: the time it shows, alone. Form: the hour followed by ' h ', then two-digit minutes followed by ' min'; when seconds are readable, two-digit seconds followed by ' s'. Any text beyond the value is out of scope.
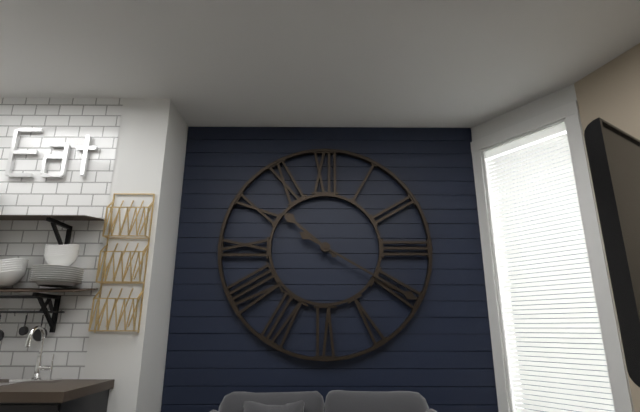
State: 10 h 20 min
